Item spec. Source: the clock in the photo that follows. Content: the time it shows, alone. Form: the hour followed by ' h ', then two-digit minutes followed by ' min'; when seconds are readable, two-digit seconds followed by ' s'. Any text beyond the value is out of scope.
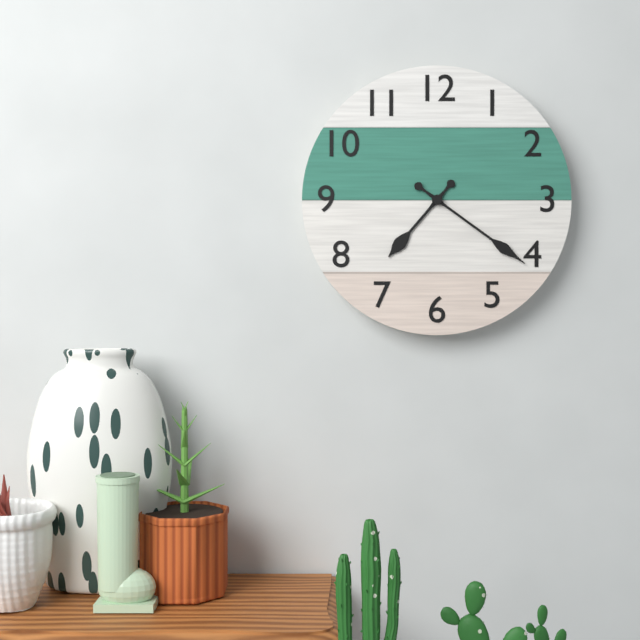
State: 7 h 21 min
